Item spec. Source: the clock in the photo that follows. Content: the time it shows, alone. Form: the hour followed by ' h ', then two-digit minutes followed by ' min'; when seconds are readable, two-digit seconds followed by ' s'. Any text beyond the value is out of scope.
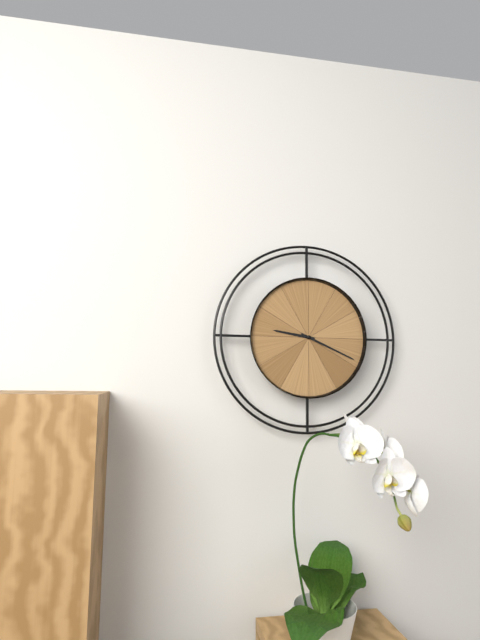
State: 9 h 19 min
